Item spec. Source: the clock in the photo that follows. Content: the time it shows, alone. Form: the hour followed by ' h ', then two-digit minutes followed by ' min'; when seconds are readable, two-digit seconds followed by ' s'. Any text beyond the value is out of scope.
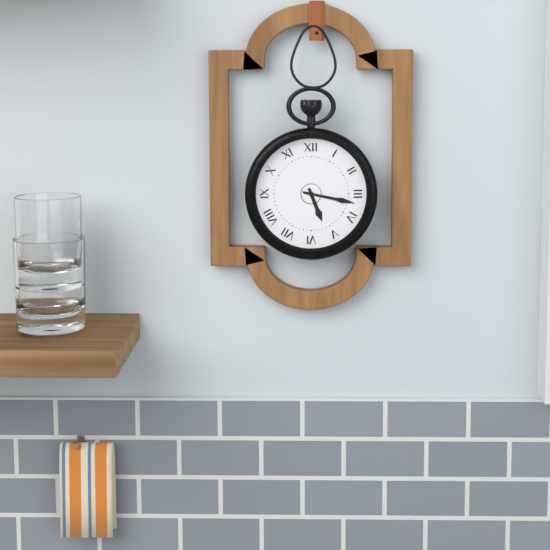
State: 5 h 17 min
